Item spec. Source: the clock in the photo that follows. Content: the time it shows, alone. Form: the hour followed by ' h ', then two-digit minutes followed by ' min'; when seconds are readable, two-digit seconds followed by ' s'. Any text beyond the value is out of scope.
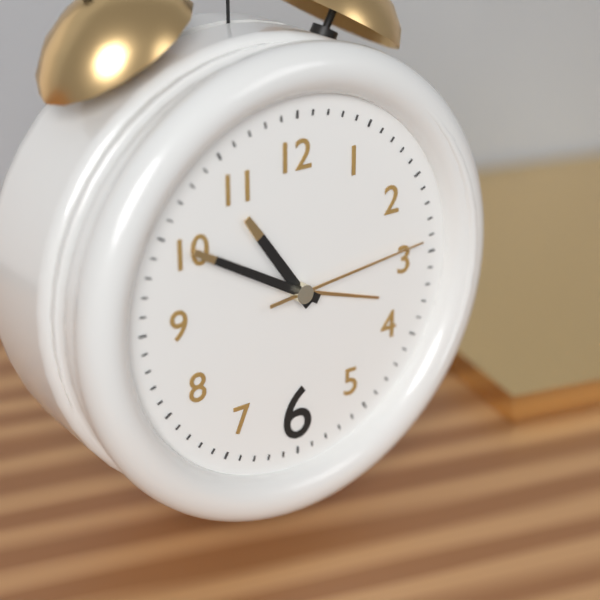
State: 10 h 50 min 14 s
